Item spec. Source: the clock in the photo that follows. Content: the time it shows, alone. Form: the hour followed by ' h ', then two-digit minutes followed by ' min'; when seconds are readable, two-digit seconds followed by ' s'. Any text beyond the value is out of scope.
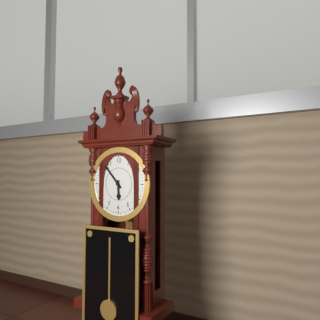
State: 5 h 53 min
